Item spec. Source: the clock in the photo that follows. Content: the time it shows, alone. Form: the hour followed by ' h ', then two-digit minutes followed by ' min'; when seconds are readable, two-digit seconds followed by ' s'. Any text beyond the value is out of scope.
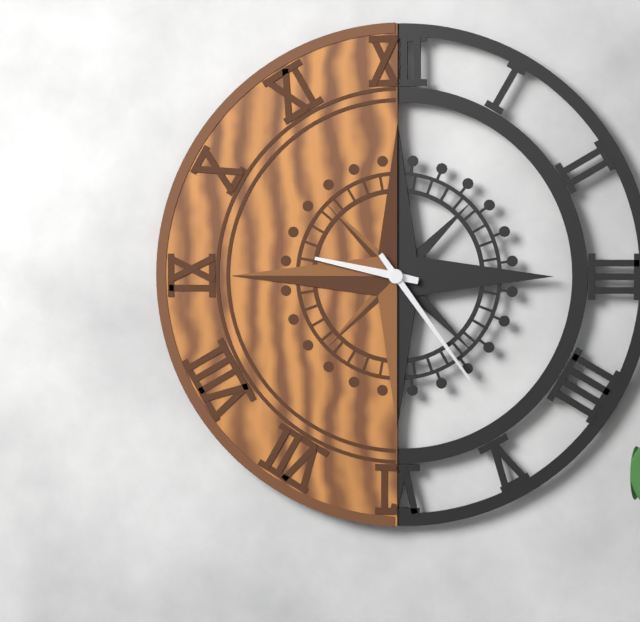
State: 9 h 24 min
